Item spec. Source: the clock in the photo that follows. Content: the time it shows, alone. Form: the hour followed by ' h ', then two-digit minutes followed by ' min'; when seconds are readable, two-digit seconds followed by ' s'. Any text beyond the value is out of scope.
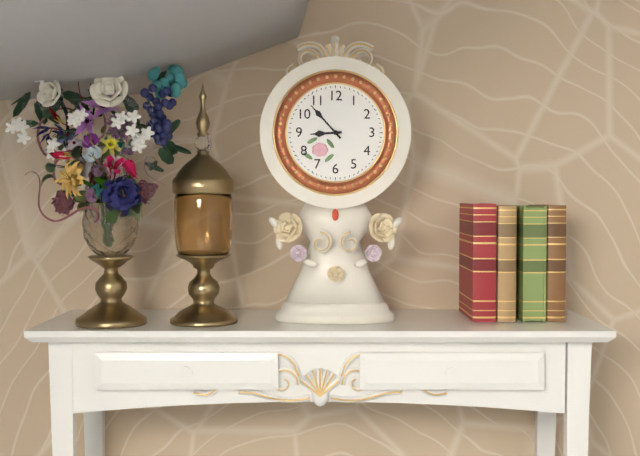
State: 8 h 53 min
